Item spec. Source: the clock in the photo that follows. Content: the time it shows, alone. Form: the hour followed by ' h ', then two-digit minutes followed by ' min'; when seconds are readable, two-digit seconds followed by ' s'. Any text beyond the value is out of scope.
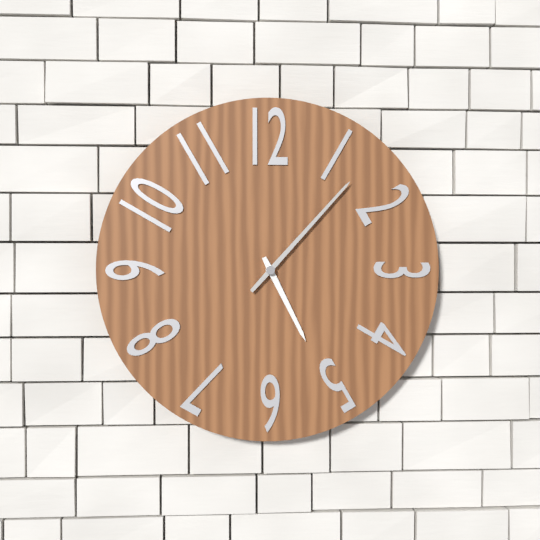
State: 5 h 07 min
